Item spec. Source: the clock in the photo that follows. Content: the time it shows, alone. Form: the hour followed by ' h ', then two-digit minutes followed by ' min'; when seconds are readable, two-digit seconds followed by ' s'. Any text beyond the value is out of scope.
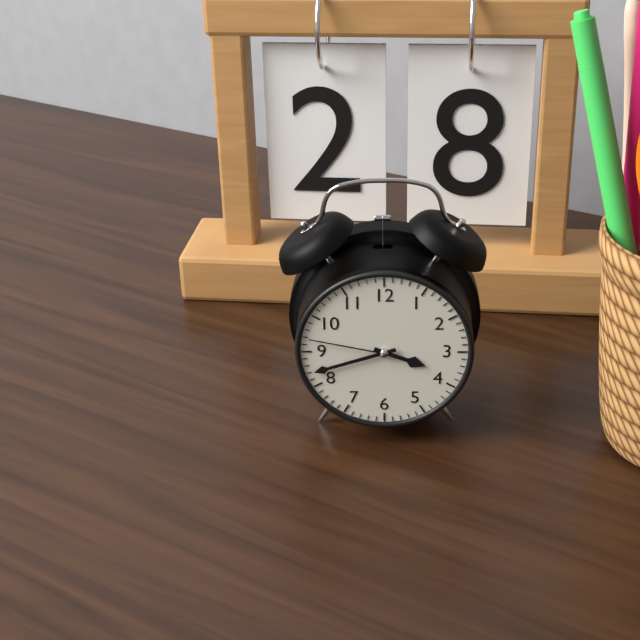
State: 3 h 42 min 47 s
